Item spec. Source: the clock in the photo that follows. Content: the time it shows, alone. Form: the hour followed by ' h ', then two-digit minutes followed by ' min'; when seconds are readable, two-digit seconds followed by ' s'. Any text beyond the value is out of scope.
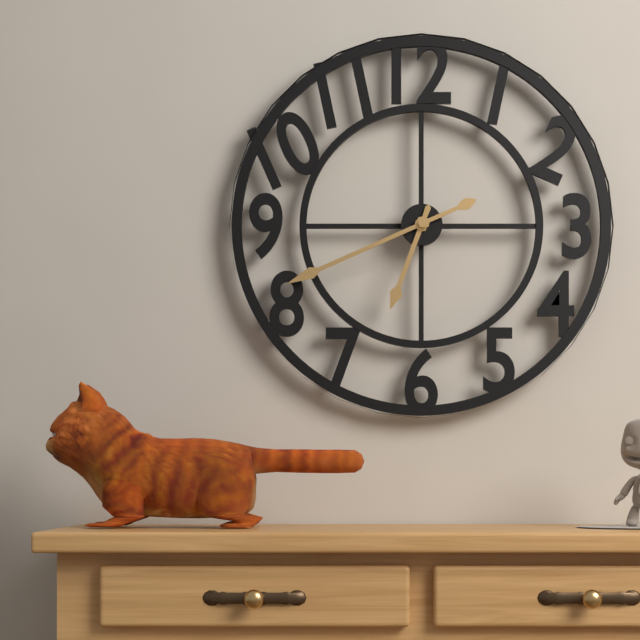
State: 6 h 41 min
